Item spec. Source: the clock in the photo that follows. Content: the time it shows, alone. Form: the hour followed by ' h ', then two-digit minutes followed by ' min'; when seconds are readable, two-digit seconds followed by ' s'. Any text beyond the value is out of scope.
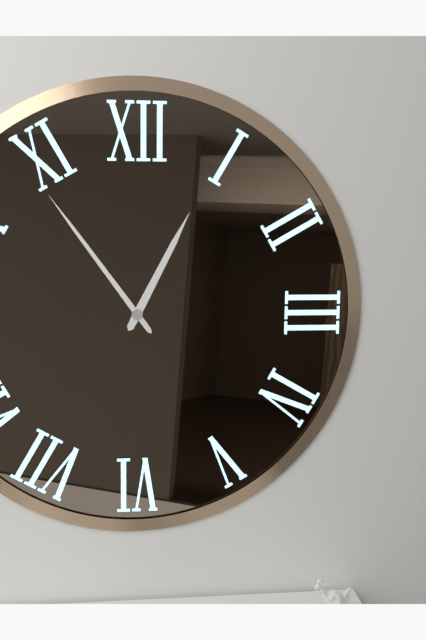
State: 12 h 54 min
